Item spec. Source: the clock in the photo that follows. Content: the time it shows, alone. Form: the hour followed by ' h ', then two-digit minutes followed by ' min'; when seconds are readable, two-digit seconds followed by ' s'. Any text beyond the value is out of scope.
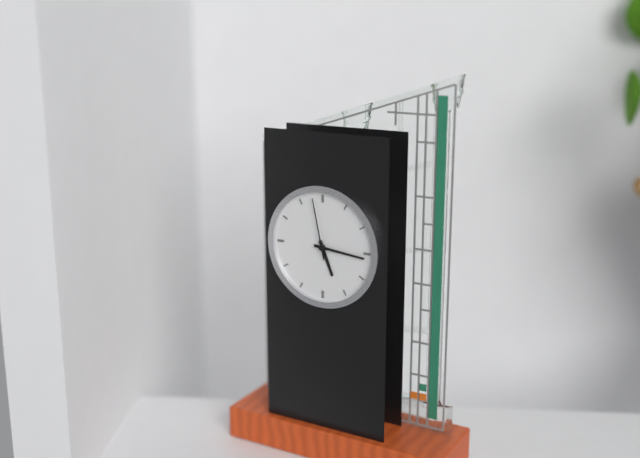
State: 5 h 16 min 58 s
